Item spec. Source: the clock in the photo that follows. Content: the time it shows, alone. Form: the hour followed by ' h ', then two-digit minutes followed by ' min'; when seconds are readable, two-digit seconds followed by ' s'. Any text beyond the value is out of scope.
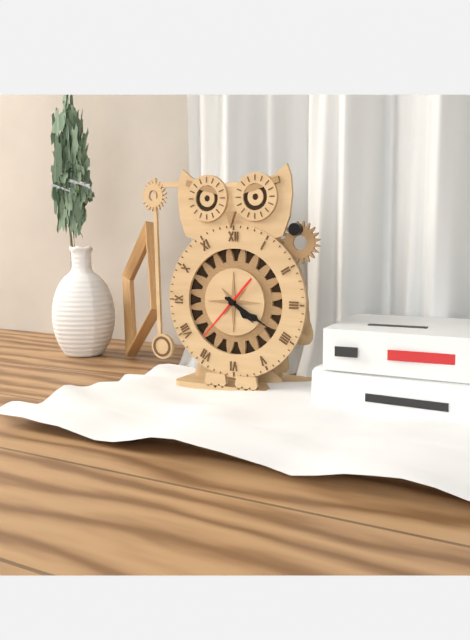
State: 4 h 20 min 37 s
